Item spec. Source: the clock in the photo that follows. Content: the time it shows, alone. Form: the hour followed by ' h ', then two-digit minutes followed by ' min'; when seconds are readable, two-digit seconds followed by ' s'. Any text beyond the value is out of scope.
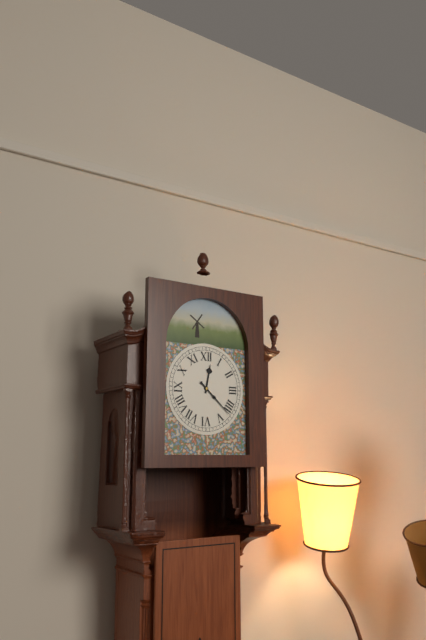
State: 12 h 22 min
